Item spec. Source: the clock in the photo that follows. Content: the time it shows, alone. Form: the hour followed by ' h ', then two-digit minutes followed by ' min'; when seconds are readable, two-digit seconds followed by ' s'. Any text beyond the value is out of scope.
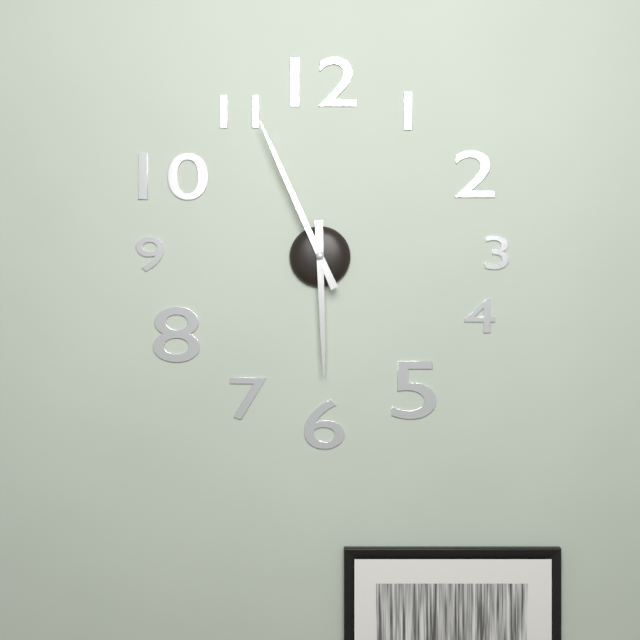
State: 5 h 56 min
